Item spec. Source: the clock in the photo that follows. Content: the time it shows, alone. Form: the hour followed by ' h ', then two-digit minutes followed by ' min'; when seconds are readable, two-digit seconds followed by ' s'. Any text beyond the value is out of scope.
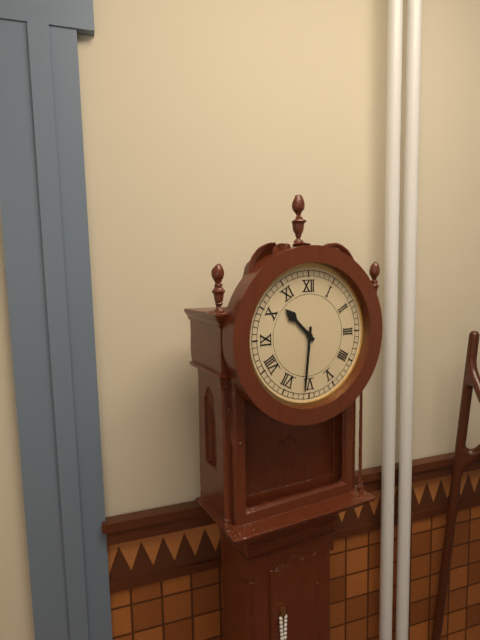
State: 10 h 31 min
